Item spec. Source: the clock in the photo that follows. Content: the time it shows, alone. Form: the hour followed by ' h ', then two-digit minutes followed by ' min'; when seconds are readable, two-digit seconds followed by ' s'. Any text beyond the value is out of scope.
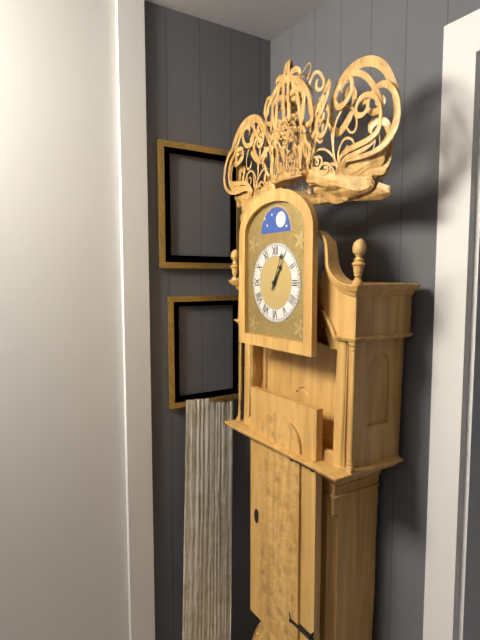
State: 1 h 04 min
